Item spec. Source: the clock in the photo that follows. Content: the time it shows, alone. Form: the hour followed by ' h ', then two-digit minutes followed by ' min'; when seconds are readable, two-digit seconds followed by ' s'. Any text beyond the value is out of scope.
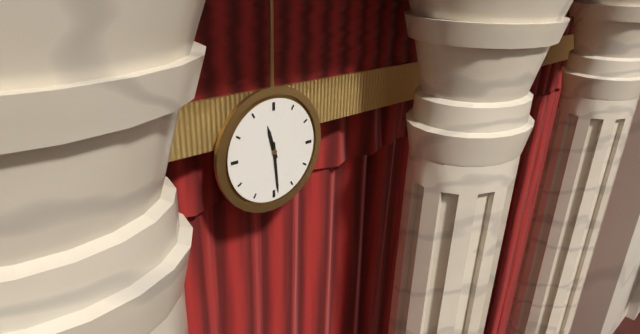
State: 11 h 29 min
